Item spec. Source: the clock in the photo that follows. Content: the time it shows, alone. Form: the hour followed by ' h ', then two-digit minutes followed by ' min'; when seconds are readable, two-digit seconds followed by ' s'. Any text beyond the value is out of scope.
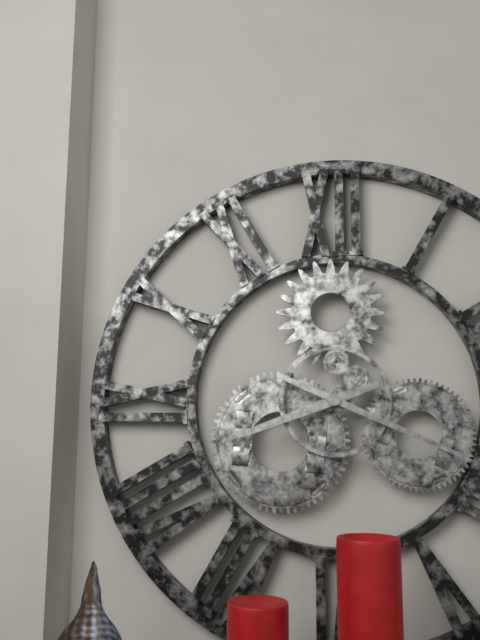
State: 8 h 19 min
